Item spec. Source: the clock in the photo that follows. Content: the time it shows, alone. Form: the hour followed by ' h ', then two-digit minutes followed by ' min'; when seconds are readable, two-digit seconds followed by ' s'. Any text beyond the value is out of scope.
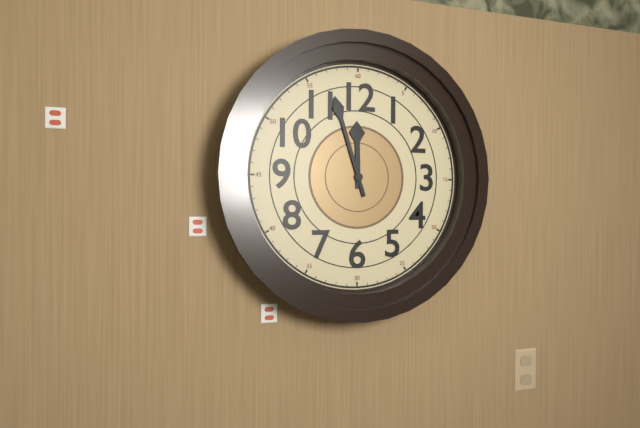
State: 11 h 57 min
